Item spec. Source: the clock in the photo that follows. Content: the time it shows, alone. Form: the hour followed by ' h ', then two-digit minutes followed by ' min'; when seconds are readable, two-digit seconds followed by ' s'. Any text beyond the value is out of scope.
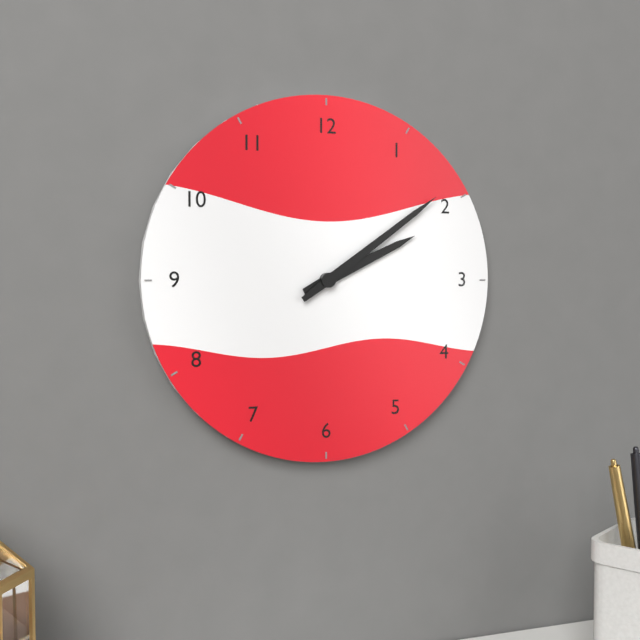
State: 2 h 09 min
